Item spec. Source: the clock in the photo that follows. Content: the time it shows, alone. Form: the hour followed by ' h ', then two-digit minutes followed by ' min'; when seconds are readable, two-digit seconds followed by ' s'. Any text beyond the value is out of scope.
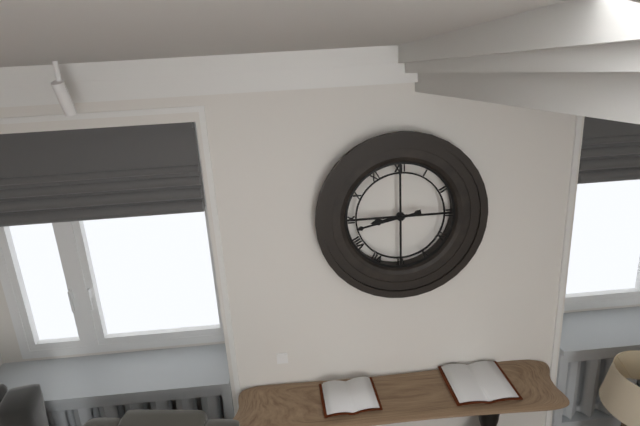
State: 8 h 43 min
